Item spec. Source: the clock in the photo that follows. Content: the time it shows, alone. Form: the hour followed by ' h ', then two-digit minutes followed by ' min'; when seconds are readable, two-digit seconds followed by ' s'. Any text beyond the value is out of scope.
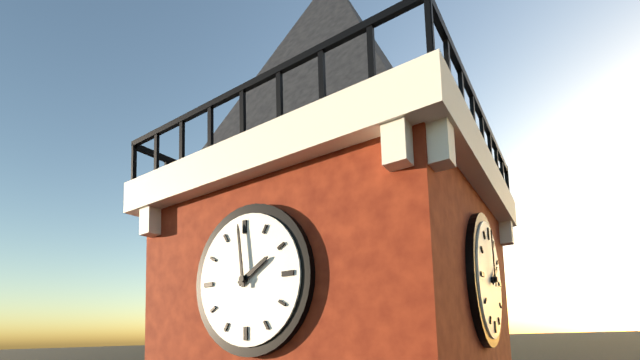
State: 1 h 59 min
